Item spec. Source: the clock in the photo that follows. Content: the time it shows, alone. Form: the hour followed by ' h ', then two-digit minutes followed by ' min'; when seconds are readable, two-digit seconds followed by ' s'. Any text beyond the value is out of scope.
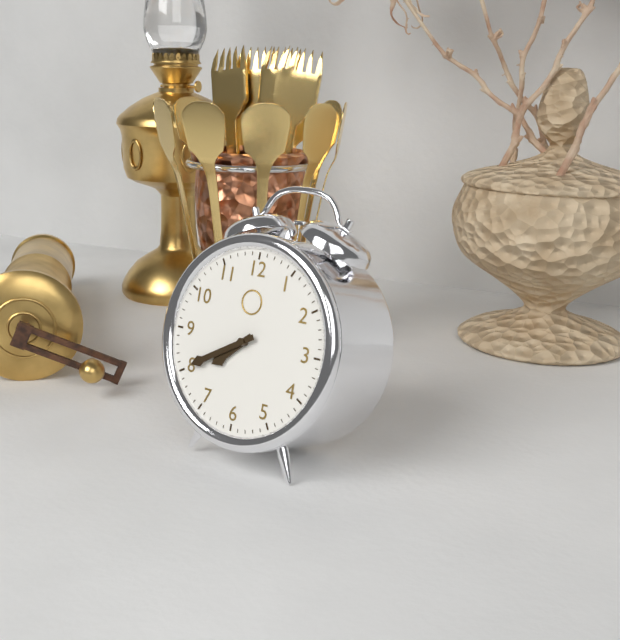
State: 7 h 40 min
